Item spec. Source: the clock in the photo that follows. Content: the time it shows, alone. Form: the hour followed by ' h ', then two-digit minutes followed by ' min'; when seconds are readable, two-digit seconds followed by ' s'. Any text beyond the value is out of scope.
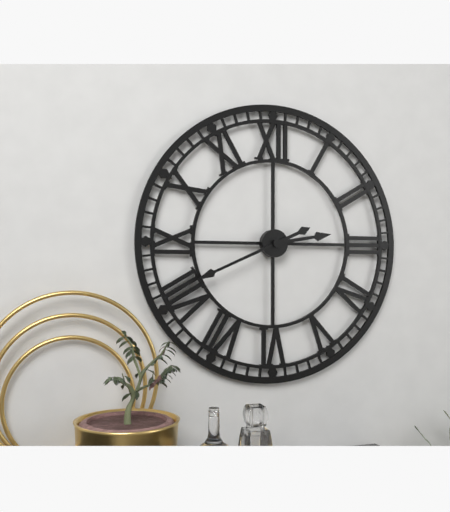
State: 2 h 41 min
